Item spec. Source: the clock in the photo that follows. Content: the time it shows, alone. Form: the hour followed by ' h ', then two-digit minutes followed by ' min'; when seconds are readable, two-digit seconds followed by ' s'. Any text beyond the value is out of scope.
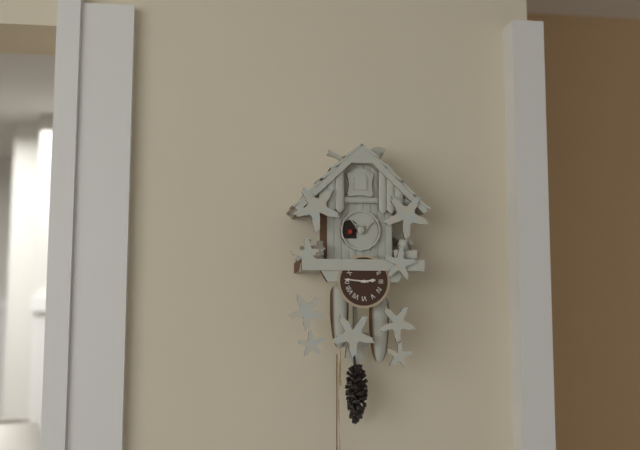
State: 2 h 46 min
